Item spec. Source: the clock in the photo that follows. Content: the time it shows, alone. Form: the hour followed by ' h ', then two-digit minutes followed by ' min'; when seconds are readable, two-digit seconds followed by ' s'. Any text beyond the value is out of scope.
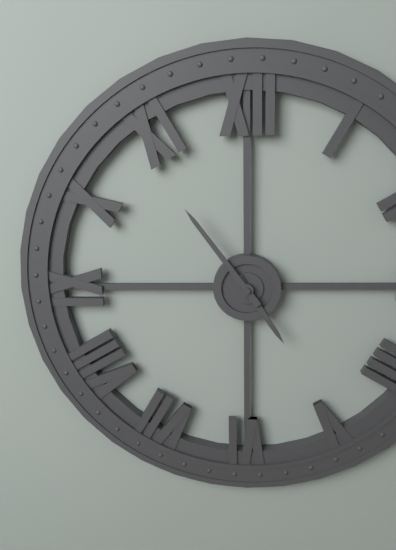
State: 4 h 54 min
